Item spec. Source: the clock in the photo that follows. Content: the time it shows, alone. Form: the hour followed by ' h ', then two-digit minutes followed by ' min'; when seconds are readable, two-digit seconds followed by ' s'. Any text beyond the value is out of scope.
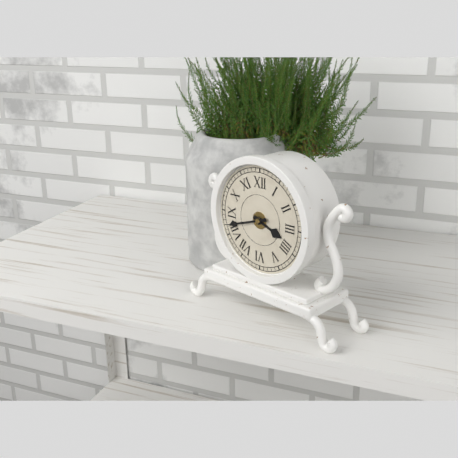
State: 3 h 42 min
